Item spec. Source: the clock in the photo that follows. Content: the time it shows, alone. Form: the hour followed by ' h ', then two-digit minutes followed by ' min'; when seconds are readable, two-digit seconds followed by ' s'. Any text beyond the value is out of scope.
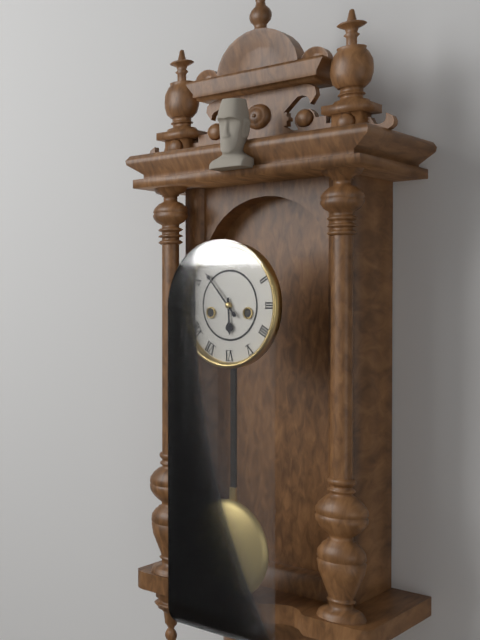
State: 5 h 53 min
